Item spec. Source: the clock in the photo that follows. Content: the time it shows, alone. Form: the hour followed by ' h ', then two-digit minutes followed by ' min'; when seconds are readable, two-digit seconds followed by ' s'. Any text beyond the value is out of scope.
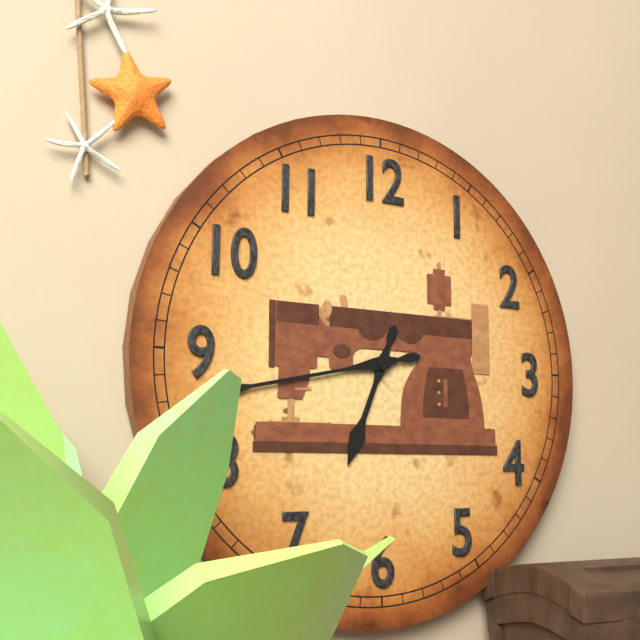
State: 6 h 43 min
